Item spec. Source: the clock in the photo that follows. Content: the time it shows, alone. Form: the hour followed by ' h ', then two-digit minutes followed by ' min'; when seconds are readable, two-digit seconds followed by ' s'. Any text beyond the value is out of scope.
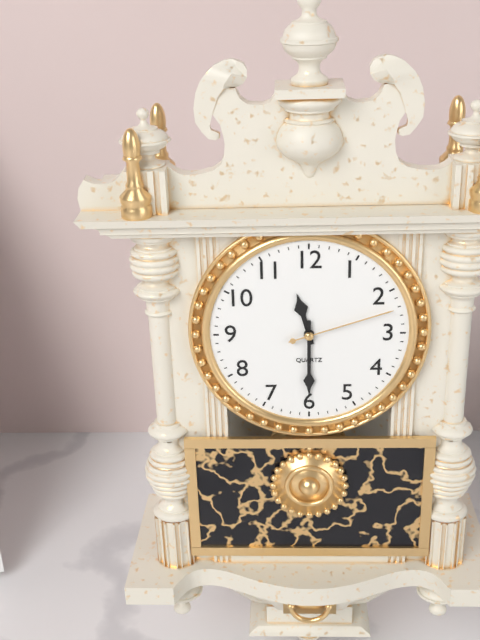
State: 11 h 30 min 12 s
